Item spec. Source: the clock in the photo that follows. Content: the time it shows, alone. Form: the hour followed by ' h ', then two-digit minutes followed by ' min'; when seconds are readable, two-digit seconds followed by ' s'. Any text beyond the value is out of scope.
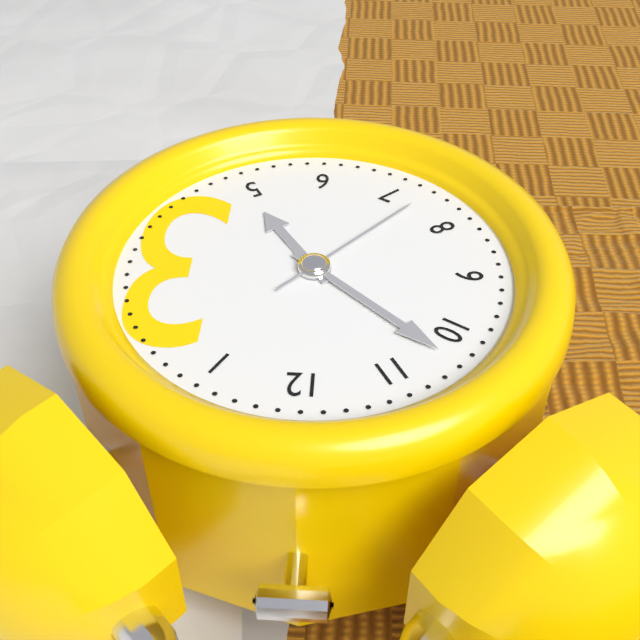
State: 4 h 52 min 37 s
